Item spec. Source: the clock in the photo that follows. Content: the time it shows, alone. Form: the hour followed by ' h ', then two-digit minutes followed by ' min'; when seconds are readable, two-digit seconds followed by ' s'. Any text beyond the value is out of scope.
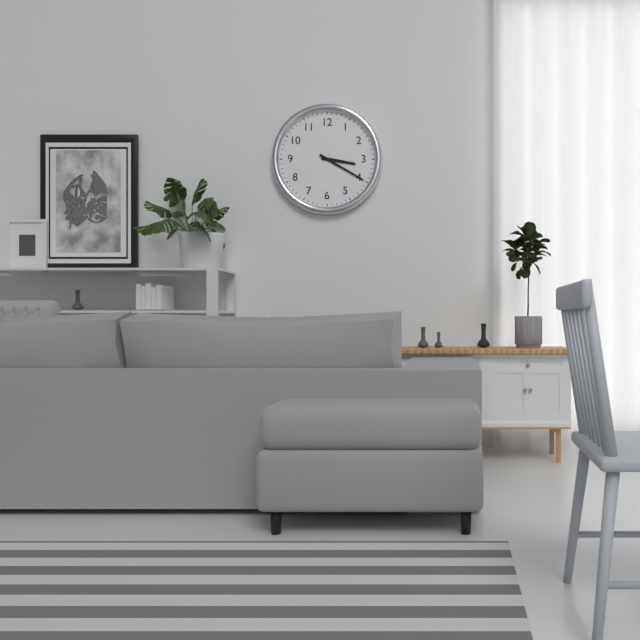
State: 3 h 20 min
